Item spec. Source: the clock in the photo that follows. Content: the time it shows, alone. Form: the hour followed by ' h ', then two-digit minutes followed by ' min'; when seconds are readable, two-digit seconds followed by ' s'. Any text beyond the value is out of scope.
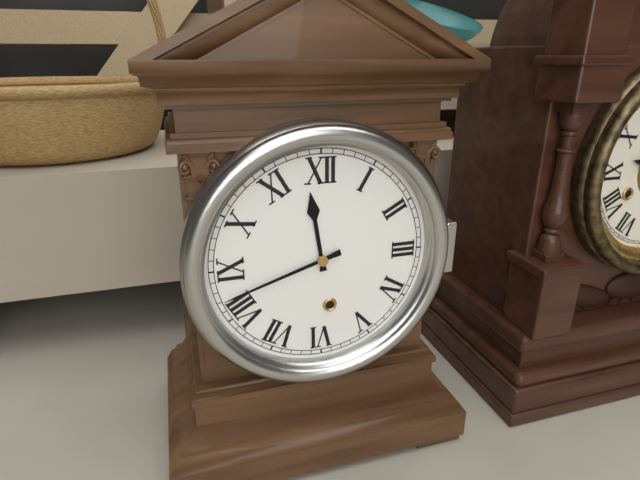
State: 11 h 42 min
